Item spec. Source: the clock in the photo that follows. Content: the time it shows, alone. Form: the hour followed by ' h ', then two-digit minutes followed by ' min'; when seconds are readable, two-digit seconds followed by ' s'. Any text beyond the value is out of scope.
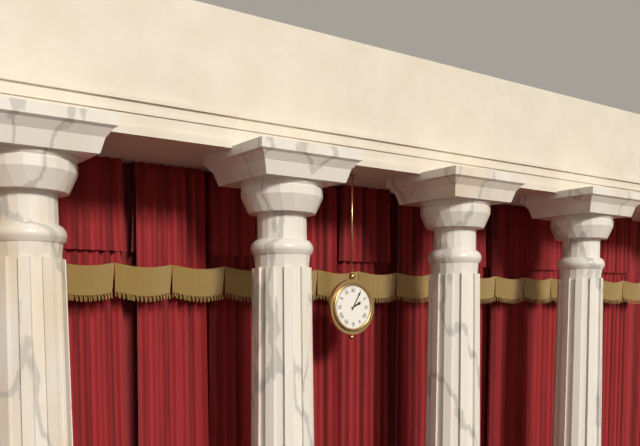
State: 2 h 05 min
